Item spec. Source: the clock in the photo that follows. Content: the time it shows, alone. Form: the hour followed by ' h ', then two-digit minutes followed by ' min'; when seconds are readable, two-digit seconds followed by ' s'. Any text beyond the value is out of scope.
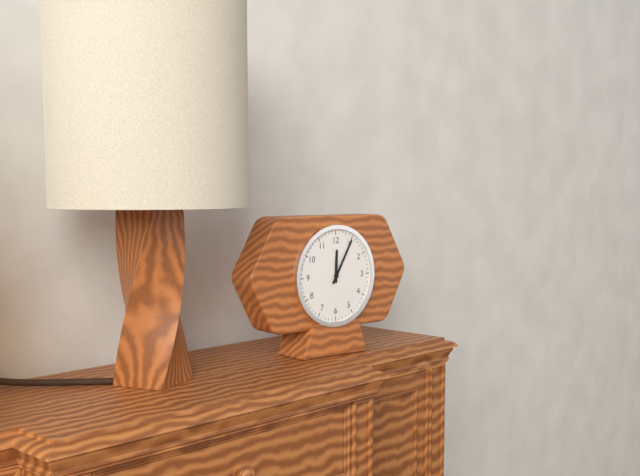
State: 12 h 05 min
